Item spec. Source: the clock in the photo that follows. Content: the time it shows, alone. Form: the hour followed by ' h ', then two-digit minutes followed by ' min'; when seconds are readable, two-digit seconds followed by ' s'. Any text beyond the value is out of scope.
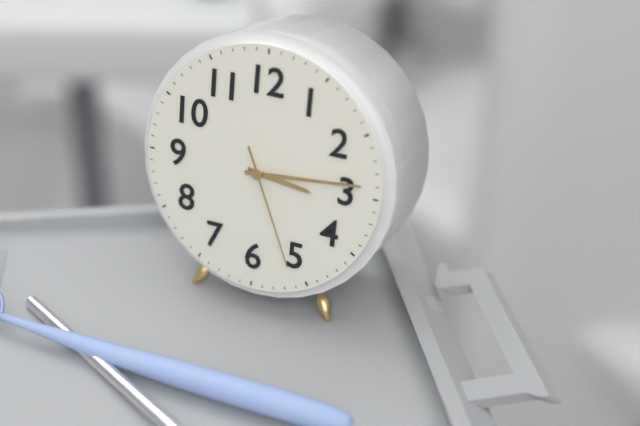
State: 3 h 14 min 26 s
